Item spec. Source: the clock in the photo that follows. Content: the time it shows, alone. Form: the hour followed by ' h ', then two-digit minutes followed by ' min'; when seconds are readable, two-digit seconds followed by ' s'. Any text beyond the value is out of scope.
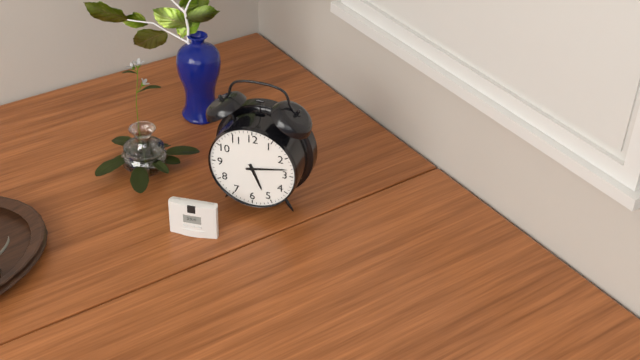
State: 5 h 13 min
